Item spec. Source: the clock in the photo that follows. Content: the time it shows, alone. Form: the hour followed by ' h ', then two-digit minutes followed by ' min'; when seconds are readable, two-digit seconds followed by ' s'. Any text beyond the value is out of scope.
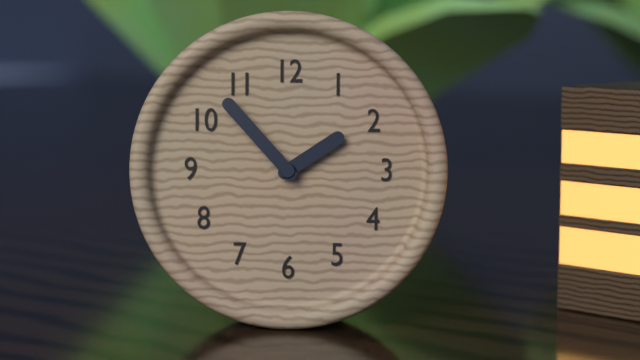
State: 1 h 53 min
